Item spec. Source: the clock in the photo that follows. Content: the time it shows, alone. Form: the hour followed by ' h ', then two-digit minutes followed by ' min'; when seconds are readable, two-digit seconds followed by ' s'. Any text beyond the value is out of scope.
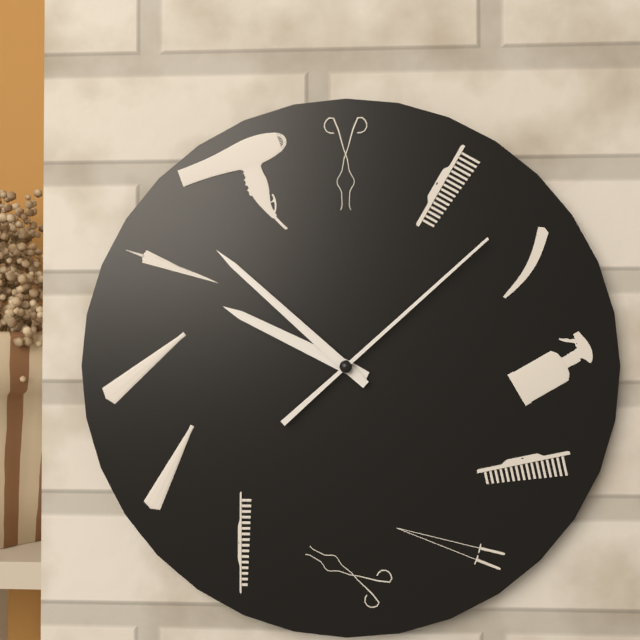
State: 9 h 52 min 08 s
